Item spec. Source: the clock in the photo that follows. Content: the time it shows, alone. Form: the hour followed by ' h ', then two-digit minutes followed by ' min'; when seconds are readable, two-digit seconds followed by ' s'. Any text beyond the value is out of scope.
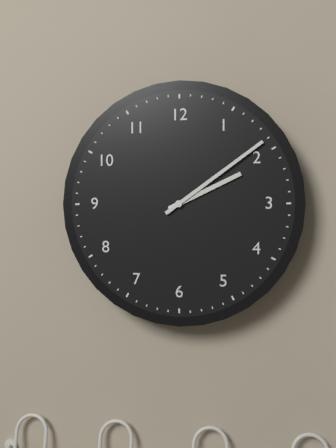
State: 2 h 09 min
